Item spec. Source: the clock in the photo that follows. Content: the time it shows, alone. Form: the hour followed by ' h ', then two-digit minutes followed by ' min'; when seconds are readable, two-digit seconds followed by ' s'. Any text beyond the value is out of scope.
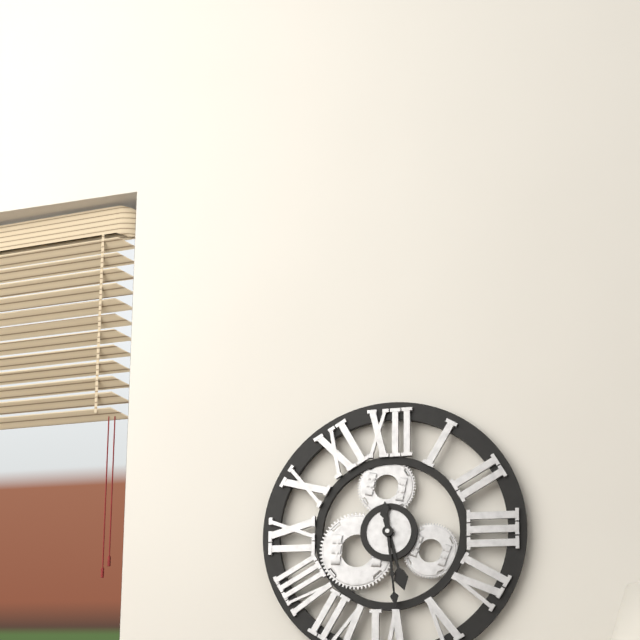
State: 5 h 29 min
